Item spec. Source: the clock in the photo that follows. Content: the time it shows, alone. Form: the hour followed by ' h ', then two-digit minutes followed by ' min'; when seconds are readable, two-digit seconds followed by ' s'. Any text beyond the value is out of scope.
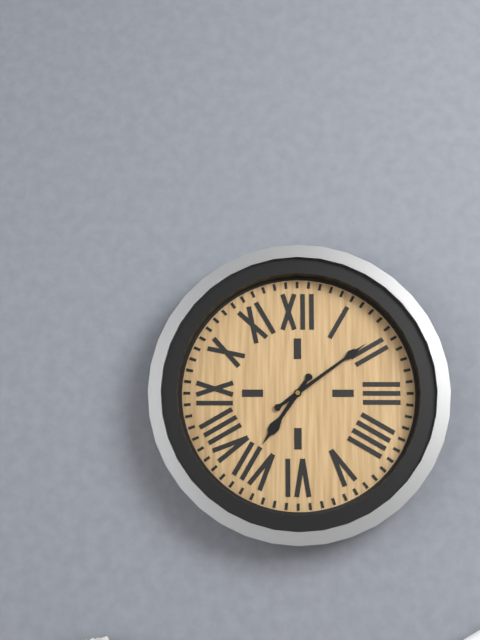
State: 7 h 09 min
